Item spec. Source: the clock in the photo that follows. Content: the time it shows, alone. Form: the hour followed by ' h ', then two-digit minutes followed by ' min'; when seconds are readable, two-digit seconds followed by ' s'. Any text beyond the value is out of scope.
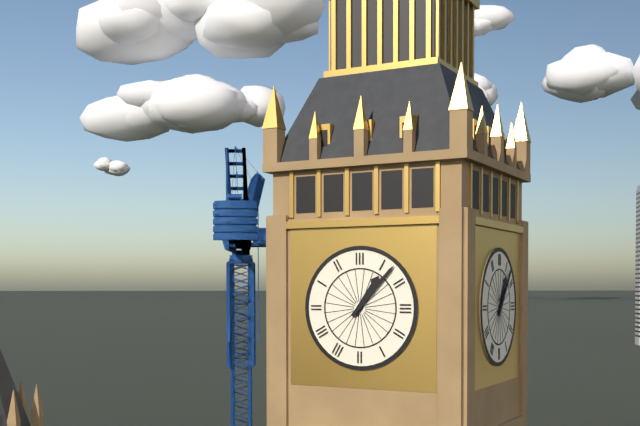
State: 1 h 07 min
